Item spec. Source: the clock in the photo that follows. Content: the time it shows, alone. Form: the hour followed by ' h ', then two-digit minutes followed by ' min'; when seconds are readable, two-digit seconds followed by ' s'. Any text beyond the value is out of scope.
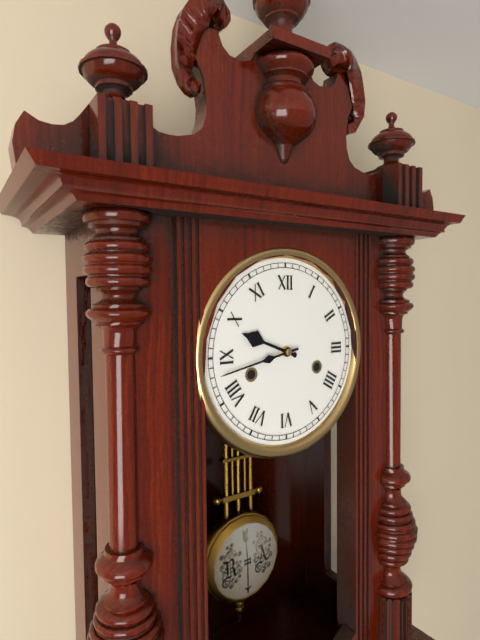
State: 9 h 43 min
